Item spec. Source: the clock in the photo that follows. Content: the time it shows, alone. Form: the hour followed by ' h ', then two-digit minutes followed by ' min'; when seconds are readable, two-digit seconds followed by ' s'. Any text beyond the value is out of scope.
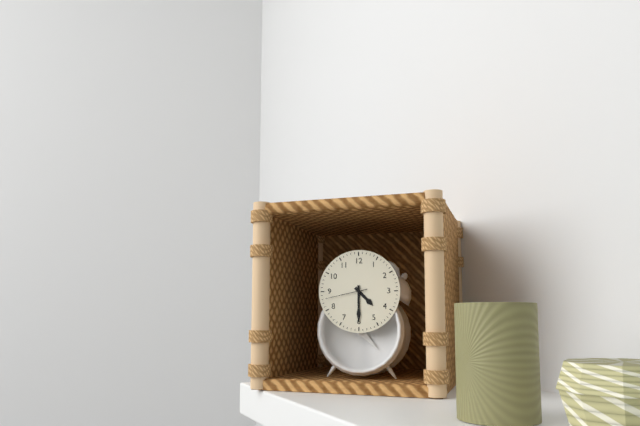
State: 4 h 30 min
